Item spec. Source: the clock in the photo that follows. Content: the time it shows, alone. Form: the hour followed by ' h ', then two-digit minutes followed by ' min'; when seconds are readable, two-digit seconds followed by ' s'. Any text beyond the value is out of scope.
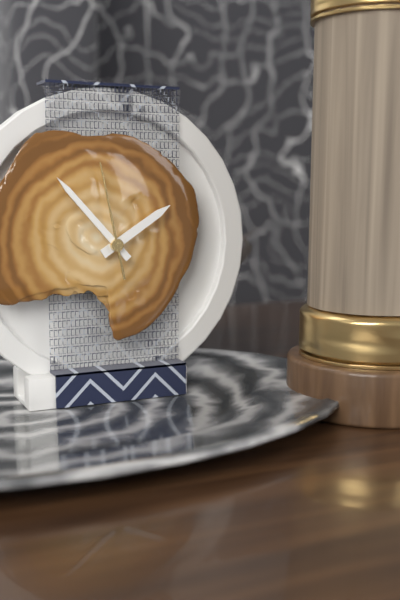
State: 1 h 53 min 58 s
